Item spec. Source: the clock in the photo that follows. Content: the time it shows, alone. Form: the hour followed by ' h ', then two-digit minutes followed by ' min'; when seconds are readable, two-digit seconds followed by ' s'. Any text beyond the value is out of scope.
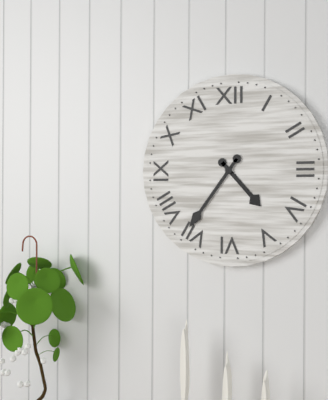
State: 4 h 36 min
